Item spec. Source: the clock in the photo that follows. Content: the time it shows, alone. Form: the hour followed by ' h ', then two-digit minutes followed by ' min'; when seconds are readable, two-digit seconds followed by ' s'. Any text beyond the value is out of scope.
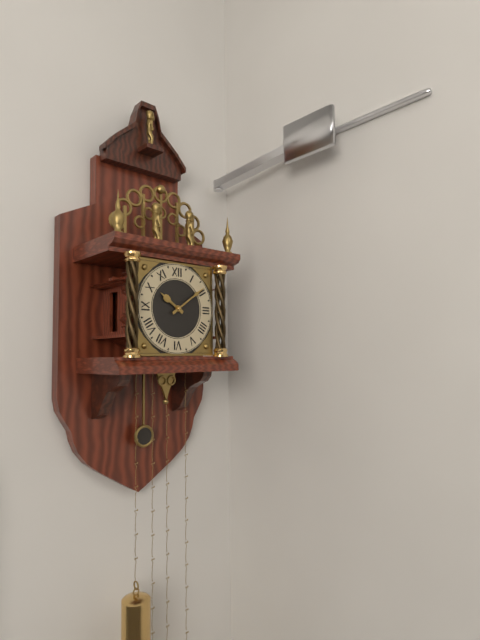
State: 10 h 09 min
